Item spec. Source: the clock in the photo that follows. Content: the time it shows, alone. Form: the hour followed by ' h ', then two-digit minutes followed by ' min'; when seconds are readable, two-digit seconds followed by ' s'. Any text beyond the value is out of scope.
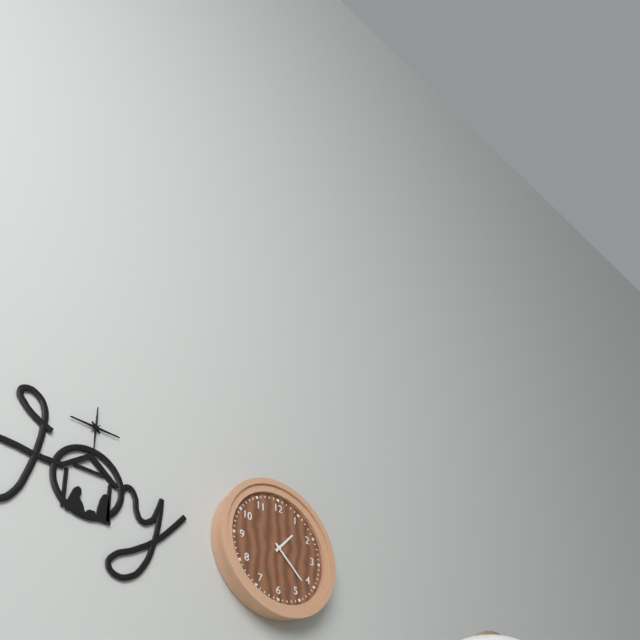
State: 1 h 22 min
